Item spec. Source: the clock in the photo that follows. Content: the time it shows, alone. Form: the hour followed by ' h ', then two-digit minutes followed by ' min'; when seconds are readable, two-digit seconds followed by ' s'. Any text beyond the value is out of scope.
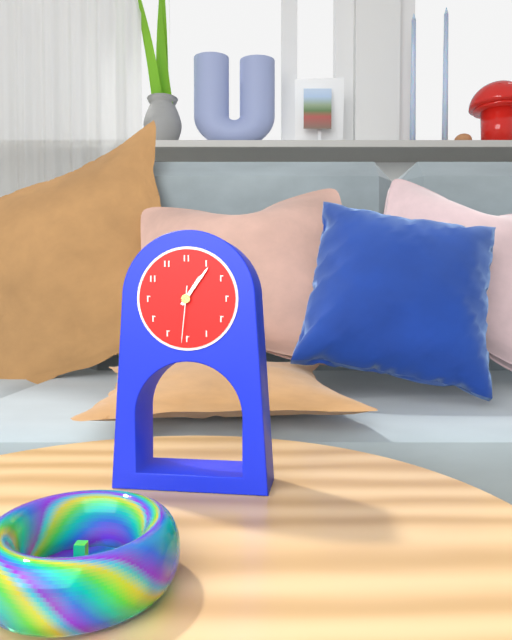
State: 1 h 06 min 31 s
